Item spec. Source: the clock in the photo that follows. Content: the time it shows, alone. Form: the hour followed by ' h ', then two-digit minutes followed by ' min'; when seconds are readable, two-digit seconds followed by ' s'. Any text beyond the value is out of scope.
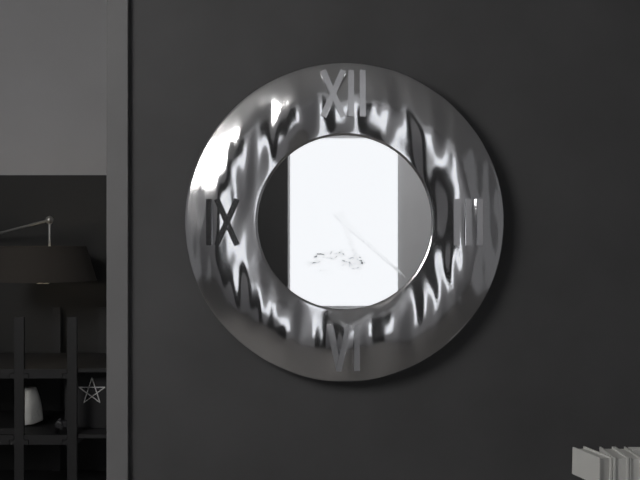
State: 5 h 22 min
